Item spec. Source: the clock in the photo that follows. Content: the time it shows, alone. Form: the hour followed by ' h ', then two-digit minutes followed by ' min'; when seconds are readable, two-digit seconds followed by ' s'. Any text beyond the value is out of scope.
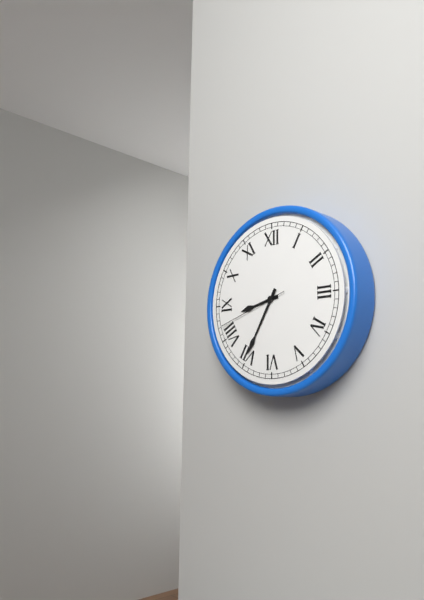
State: 8 h 35 min 42 s
